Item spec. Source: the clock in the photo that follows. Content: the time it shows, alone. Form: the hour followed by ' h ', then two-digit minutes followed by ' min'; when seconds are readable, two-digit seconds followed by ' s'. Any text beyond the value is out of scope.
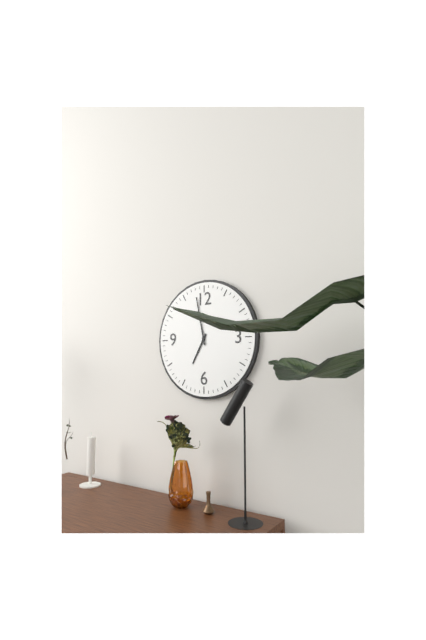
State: 6 h 58 min
